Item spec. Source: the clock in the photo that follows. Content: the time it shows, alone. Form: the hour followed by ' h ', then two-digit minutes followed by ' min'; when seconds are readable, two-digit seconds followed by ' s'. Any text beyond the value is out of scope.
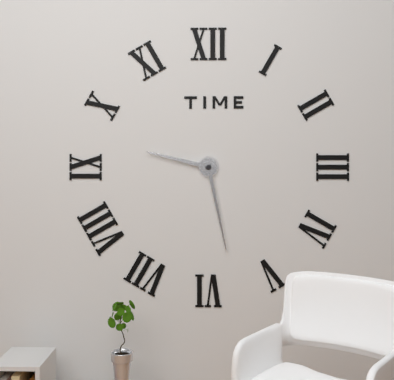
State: 9 h 28 min
